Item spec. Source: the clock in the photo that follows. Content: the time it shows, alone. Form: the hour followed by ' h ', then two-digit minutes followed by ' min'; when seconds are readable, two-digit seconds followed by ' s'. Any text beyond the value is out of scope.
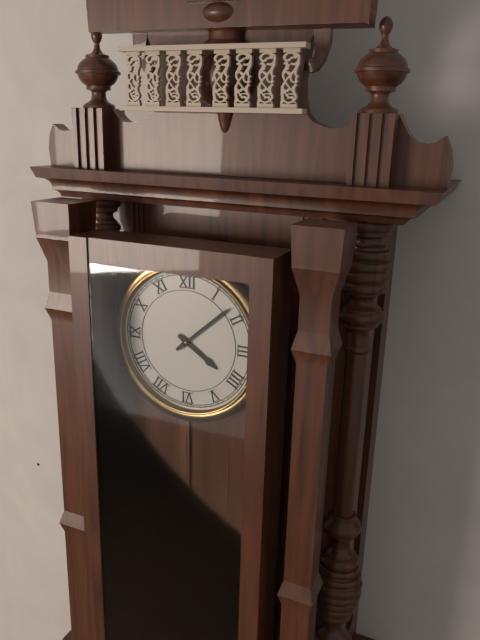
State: 4 h 08 min
